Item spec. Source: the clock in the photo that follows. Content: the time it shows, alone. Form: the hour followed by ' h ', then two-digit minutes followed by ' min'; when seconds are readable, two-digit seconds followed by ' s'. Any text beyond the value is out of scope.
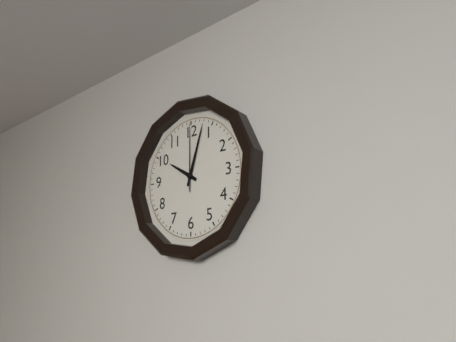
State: 10 h 03 min 00 s
